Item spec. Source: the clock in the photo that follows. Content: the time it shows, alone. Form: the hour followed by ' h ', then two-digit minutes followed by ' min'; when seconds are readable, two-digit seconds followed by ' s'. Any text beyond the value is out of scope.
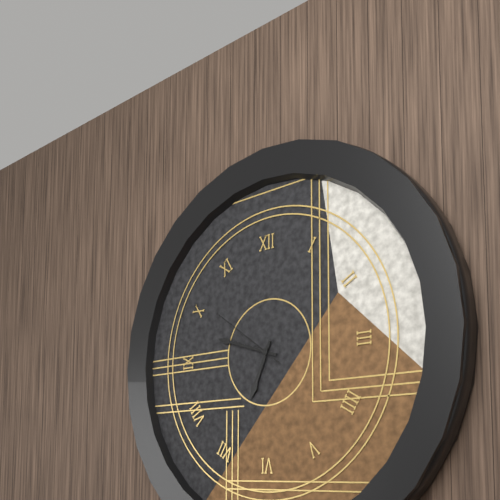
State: 6 h 48 min 51 s
